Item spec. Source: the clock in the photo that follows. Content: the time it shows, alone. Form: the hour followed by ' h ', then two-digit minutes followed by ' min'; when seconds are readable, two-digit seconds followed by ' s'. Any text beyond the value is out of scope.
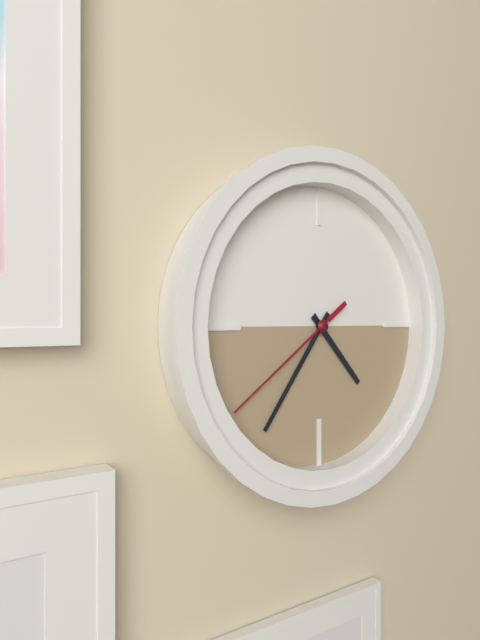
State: 4 h 36 min 39 s
